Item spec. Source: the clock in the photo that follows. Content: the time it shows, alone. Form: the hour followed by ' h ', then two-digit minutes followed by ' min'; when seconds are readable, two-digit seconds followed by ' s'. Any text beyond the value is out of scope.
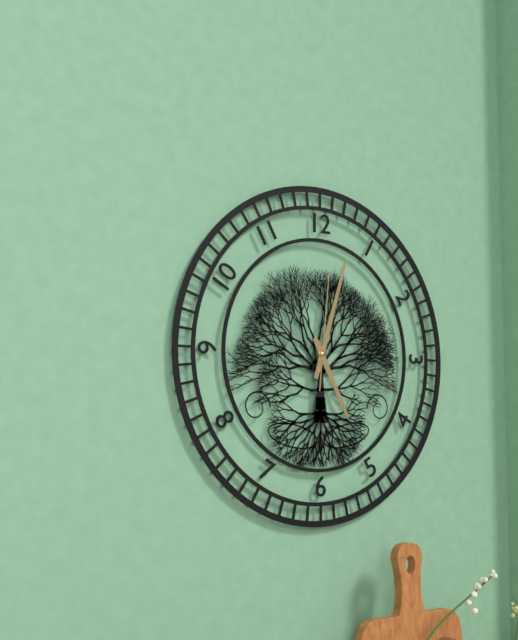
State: 5 h 03 min 01 s
